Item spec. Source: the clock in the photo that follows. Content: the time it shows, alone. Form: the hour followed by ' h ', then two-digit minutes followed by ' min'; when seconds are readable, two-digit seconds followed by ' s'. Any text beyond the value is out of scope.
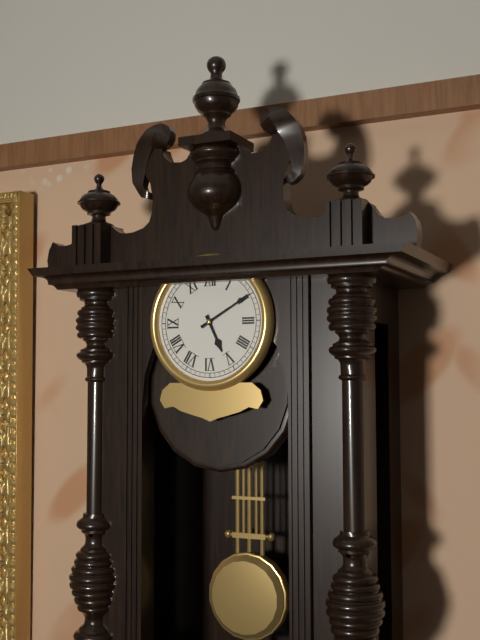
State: 5 h 10 min
